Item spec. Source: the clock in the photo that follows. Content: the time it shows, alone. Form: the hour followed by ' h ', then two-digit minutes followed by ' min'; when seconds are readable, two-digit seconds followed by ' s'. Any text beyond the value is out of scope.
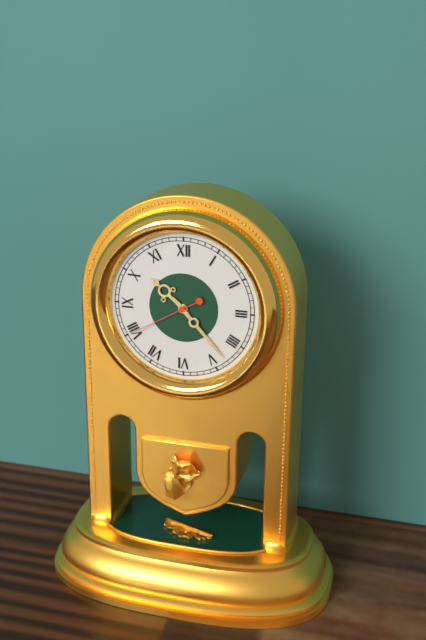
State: 10 h 23 min 40 s
